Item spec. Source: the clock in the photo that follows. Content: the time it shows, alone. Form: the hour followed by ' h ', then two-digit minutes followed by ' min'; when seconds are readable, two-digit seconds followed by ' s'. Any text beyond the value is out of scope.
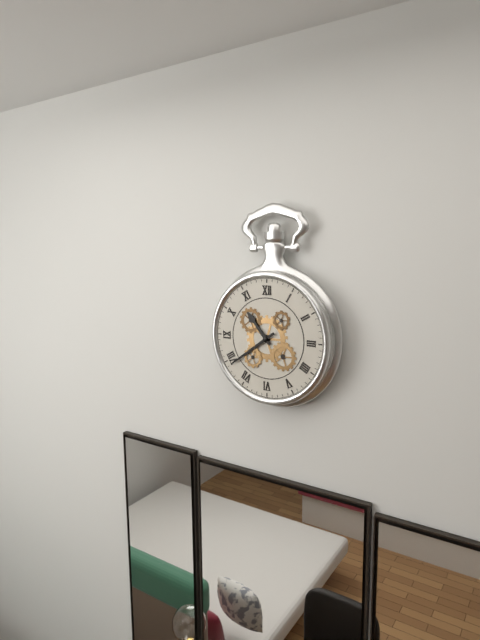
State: 10 h 39 min
